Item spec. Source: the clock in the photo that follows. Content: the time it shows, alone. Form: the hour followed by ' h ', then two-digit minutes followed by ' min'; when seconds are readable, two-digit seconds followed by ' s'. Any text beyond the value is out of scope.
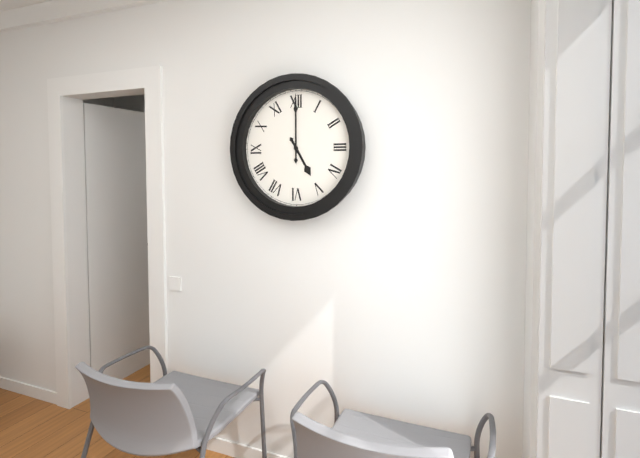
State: 5 h 00 min
